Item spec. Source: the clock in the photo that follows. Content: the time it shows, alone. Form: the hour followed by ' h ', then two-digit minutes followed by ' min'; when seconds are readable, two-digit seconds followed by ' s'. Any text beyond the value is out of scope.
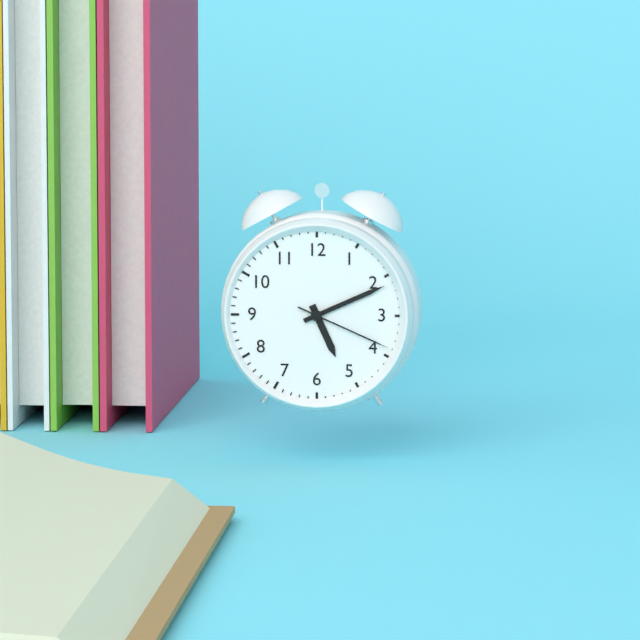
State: 5 h 11 min 19 s
